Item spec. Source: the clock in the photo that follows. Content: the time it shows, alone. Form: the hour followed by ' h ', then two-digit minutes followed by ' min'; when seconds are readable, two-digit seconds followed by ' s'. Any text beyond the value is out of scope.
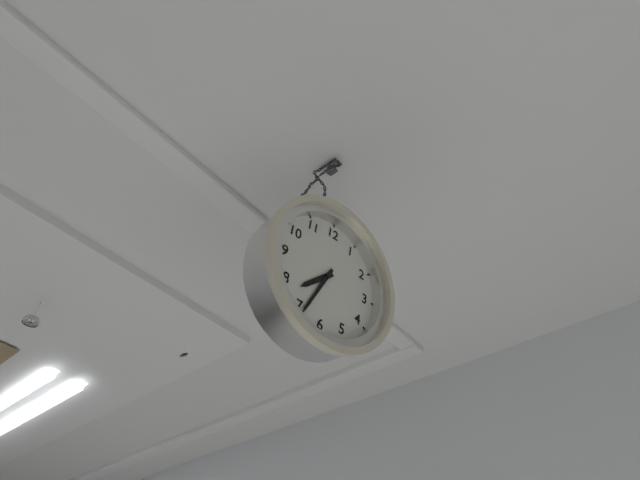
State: 7 h 34 min
